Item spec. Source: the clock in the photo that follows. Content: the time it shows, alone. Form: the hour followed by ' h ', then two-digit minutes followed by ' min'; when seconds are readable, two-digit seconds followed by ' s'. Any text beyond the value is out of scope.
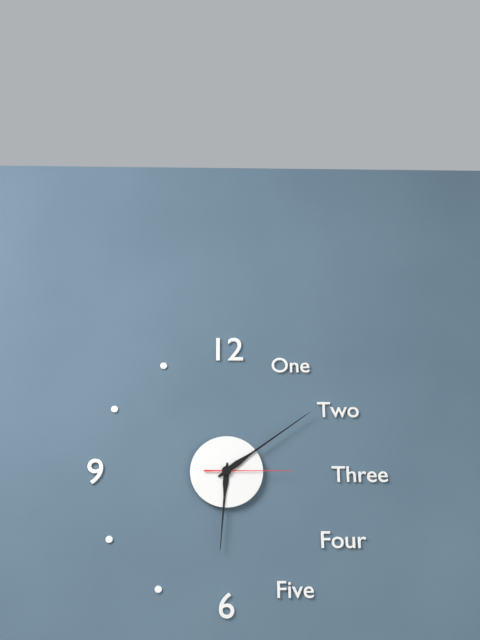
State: 6 h 09 min 15 s
